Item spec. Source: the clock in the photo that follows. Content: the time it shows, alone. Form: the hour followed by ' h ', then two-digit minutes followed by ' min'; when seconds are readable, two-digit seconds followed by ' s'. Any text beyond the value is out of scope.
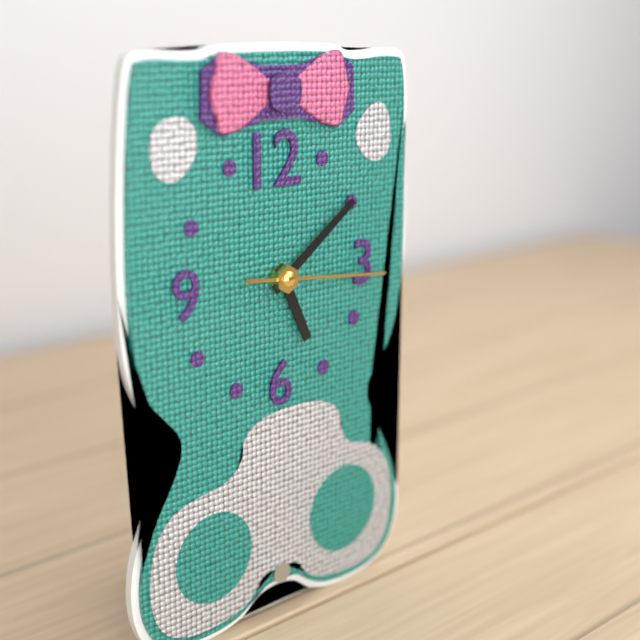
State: 5 h 09 min 16 s
